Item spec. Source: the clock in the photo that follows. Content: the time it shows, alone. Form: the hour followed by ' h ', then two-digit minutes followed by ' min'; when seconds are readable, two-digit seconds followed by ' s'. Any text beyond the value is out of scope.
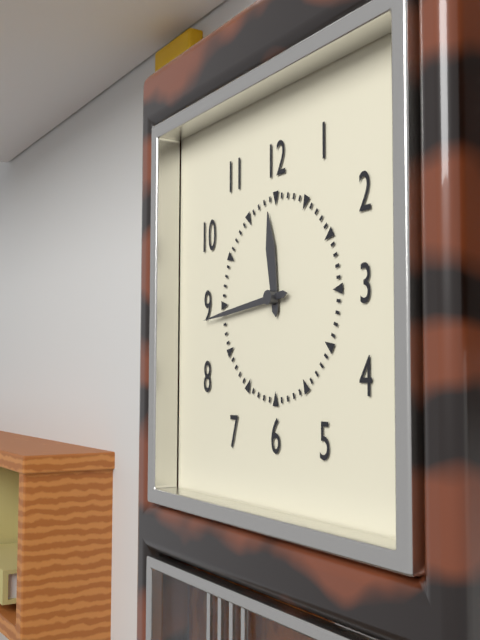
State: 11 h 44 min
